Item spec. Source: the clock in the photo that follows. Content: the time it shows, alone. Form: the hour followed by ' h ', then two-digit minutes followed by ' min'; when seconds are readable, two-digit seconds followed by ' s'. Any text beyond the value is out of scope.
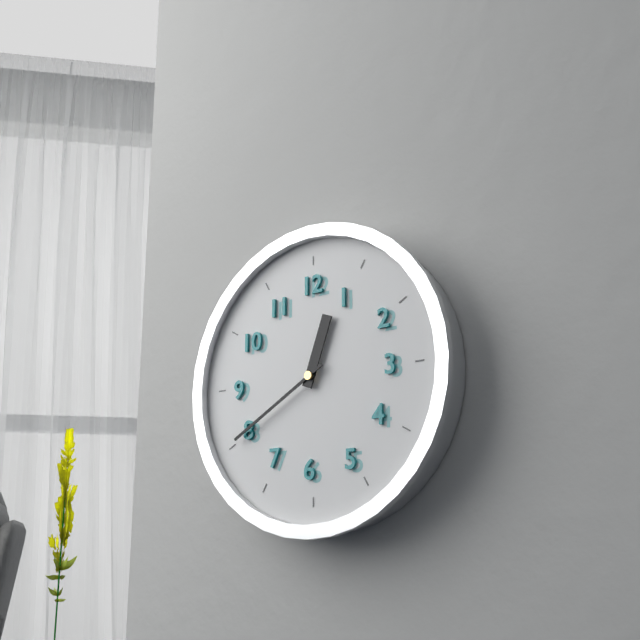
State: 12 h 40 min
